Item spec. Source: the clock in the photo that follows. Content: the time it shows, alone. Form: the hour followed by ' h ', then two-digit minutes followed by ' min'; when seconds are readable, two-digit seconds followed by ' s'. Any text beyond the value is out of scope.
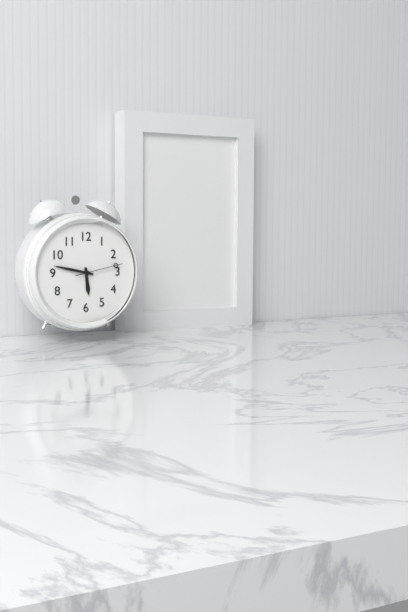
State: 5 h 47 min
